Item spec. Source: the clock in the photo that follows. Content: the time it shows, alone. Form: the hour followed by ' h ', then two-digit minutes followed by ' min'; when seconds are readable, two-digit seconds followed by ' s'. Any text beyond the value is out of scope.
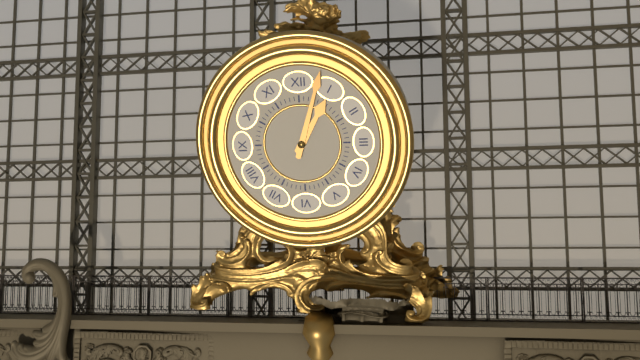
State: 1 h 03 min
